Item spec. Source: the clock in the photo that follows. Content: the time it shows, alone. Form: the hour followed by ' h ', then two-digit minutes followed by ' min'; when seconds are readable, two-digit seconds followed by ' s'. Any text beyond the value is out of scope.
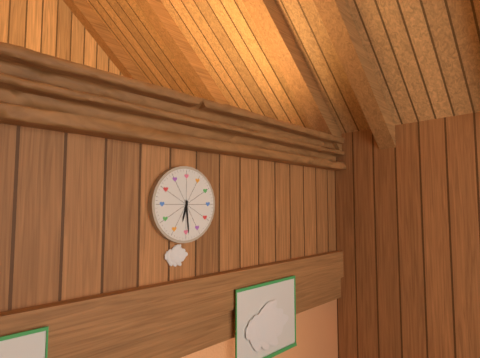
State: 6 h 29 min
